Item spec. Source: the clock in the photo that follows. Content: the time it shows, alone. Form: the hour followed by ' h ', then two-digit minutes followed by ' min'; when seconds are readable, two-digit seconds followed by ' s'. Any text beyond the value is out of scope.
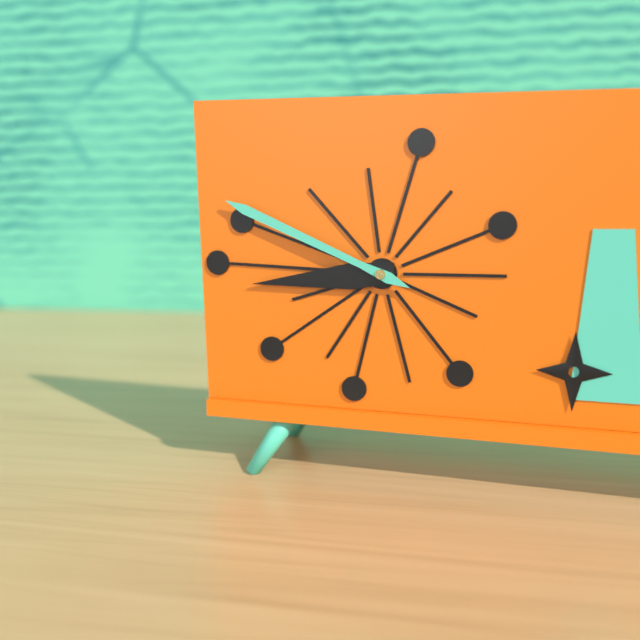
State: 8 h 49 min
